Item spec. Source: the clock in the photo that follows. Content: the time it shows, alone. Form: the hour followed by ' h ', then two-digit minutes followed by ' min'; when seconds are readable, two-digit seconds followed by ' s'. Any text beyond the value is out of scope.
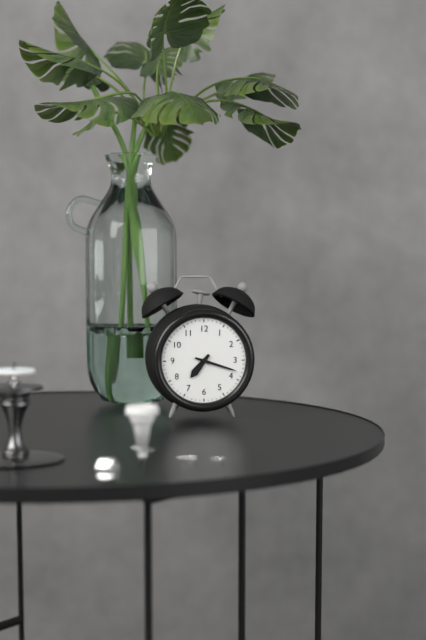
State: 7 h 18 min
